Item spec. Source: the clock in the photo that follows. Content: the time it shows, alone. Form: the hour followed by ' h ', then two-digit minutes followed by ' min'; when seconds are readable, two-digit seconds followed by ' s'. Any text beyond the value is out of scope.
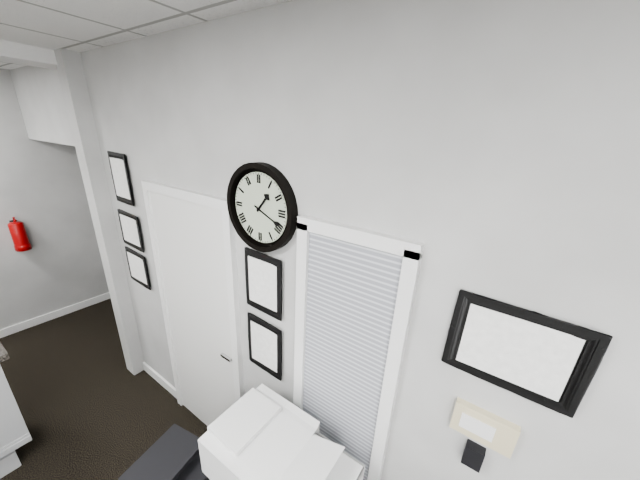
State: 1 h 19 min
